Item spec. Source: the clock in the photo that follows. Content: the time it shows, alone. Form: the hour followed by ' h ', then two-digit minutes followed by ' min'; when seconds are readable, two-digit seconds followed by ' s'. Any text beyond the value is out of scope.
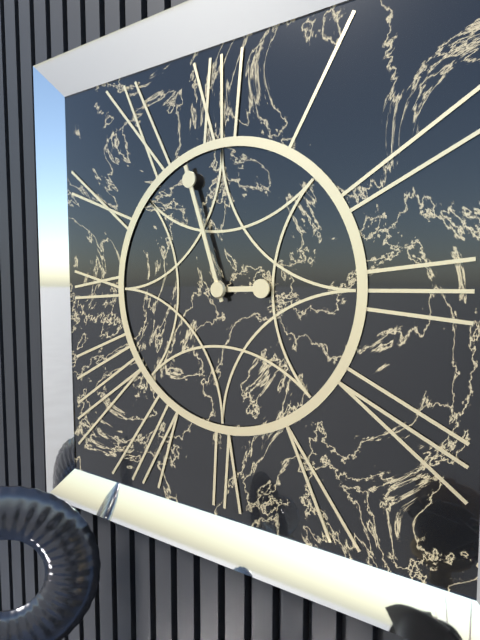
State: 2 h 57 min
